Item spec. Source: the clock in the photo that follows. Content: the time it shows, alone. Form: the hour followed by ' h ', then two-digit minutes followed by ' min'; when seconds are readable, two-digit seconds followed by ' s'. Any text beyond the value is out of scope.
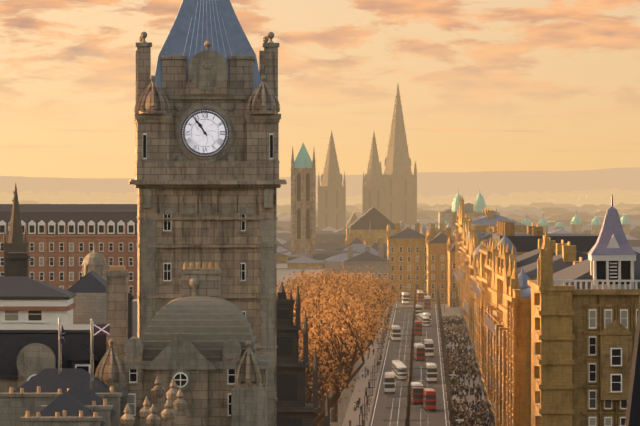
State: 10 h 54 min
